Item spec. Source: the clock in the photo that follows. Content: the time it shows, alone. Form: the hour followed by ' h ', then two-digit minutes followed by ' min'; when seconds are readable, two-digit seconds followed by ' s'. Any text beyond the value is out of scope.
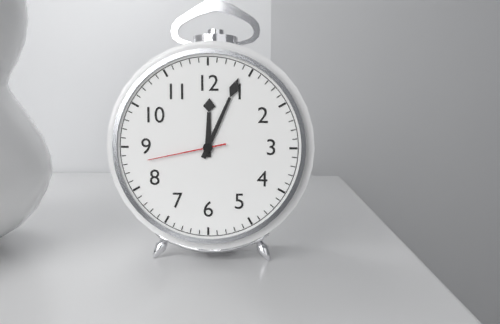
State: 12 h 04 min 43 s
